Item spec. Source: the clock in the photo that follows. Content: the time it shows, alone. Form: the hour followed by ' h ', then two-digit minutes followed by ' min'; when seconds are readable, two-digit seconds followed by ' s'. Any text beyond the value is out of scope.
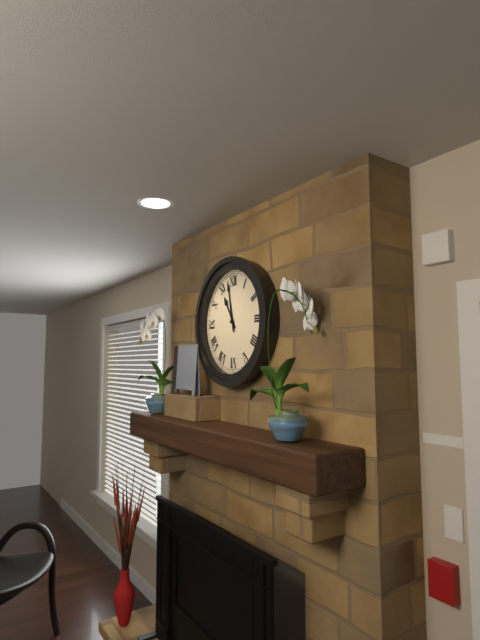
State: 10 h 58 min
